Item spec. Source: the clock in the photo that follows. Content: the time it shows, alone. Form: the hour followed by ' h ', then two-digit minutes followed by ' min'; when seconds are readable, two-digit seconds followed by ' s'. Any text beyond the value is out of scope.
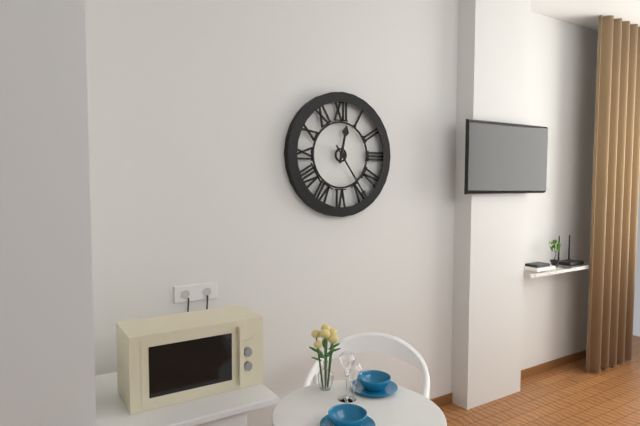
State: 12 h 24 min
